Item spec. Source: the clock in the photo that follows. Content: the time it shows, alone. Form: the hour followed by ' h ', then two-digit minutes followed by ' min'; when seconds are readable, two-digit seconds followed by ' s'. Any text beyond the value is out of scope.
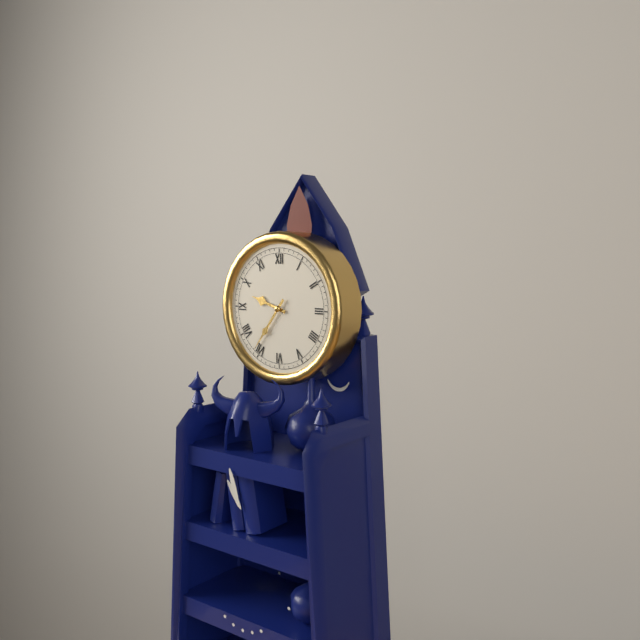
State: 9 h 36 min
